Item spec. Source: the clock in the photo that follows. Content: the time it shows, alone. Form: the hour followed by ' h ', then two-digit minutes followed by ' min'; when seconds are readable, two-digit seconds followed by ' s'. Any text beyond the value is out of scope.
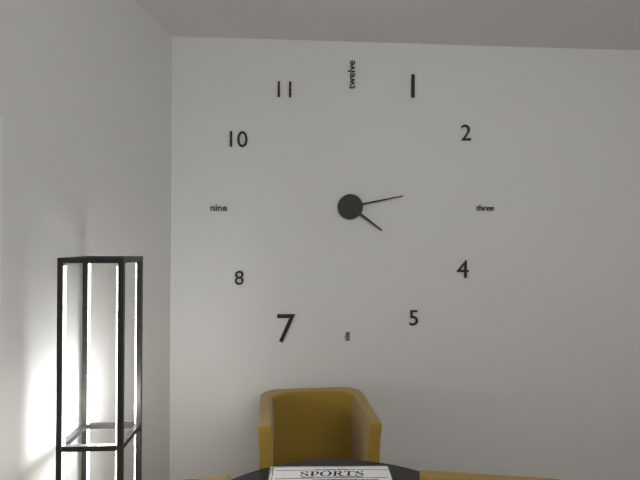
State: 4 h 13 min
